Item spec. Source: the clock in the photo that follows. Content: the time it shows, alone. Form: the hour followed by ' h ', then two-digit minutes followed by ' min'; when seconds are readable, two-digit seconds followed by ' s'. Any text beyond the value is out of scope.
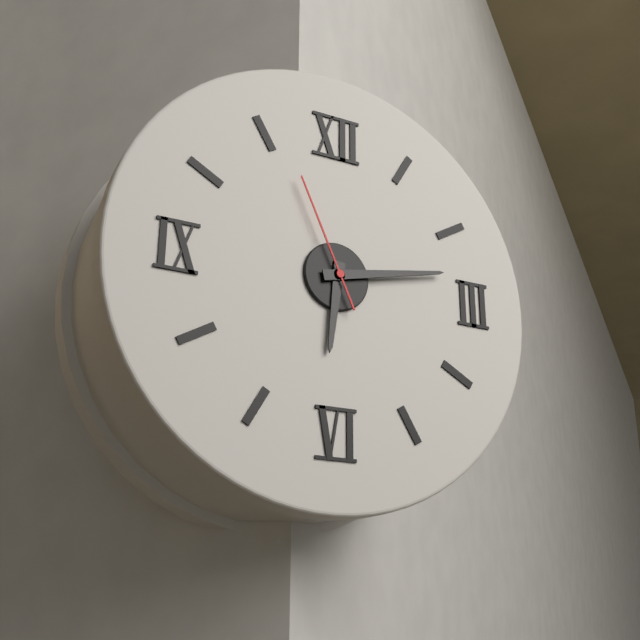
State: 6 h 13 min 56 s
